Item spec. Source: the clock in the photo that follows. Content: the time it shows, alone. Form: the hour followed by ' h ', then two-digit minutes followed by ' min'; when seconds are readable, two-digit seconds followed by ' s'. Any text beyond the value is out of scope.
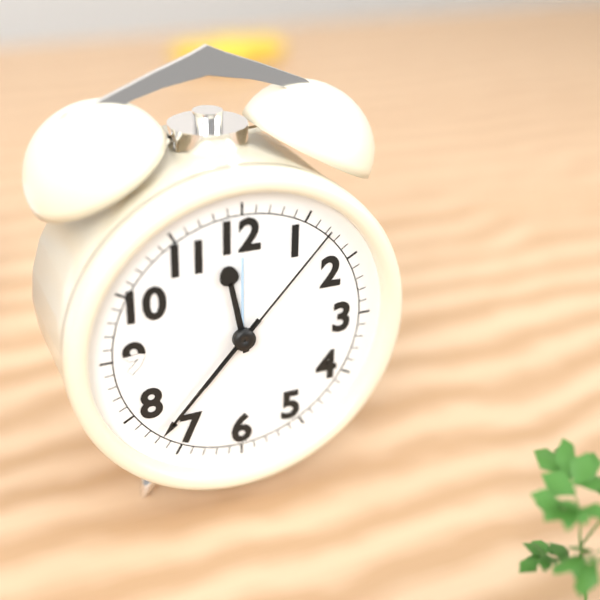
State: 11 h 37 min 07 s
